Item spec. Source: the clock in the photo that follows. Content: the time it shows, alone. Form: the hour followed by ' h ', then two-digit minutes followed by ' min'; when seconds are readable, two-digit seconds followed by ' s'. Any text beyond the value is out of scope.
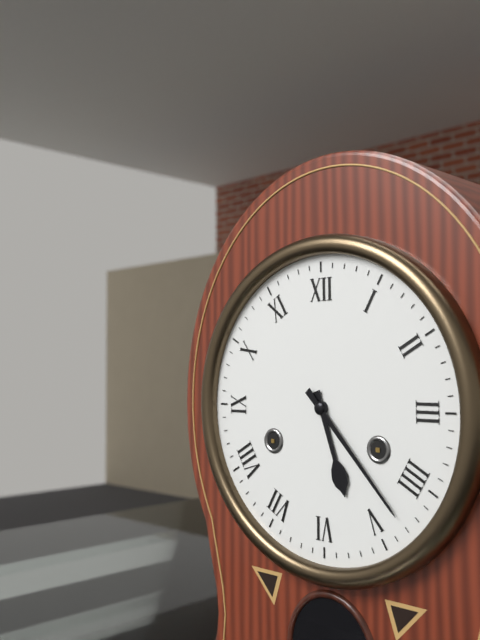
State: 5 h 23 min
